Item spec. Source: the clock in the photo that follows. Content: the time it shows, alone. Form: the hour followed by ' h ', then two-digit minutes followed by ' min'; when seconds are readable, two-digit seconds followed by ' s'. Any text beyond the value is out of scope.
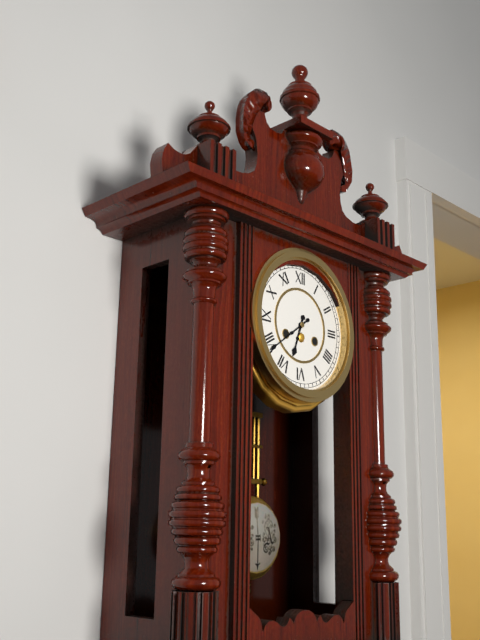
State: 6 h 39 min
